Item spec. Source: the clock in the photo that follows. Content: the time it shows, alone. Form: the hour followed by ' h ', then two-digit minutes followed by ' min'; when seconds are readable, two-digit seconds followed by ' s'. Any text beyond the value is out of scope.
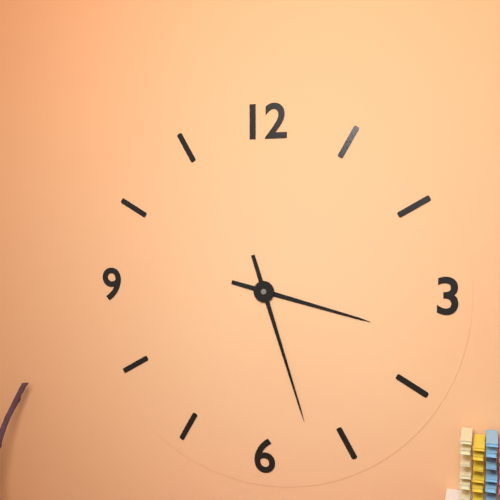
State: 3 h 27 min
